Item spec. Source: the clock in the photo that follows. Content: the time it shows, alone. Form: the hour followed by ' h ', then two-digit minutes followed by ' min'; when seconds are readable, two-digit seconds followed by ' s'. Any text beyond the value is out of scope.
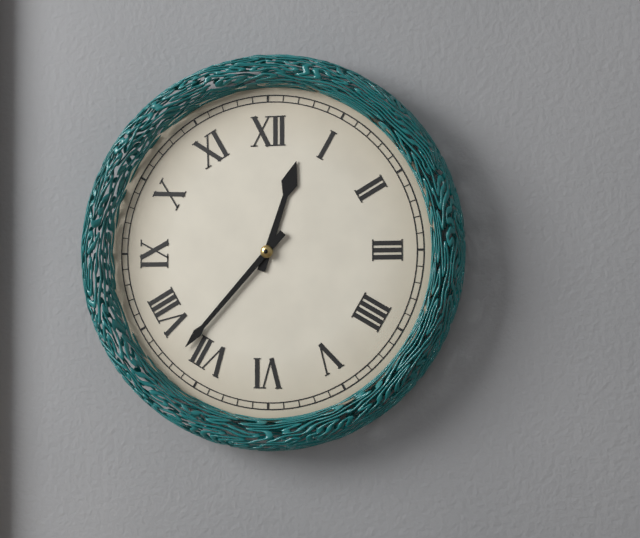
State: 12 h 37 min
